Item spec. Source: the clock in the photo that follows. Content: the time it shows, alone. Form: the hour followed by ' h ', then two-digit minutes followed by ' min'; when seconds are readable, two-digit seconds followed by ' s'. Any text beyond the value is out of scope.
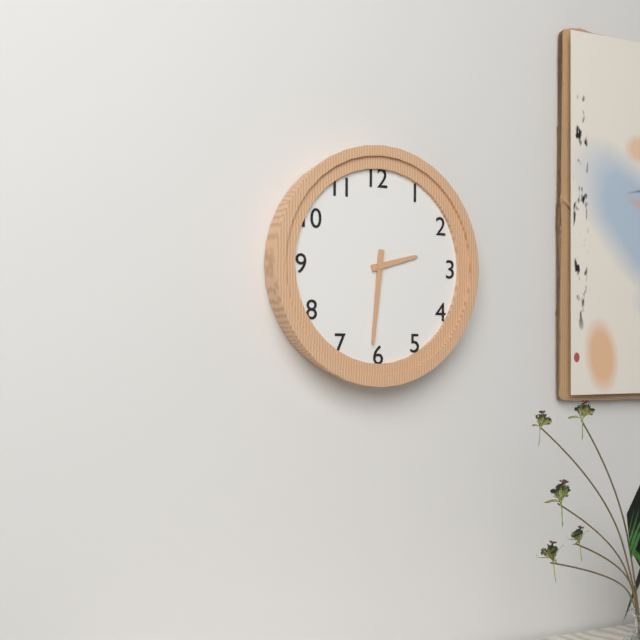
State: 2 h 31 min
